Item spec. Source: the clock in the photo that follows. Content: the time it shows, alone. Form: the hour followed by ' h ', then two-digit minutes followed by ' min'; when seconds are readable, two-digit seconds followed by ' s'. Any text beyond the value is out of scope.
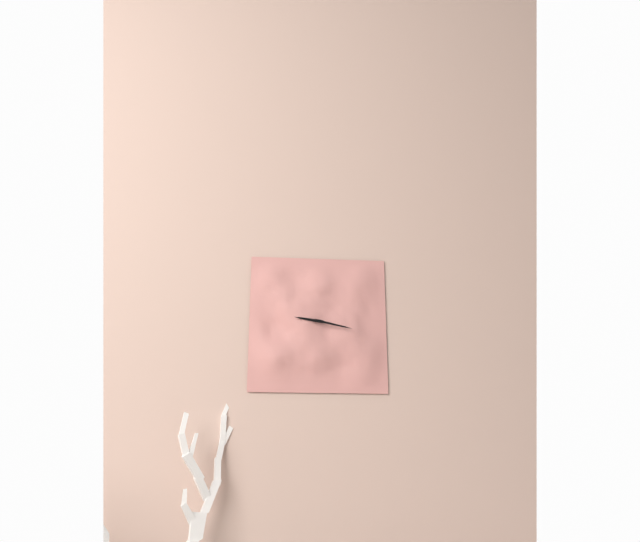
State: 9 h 17 min
